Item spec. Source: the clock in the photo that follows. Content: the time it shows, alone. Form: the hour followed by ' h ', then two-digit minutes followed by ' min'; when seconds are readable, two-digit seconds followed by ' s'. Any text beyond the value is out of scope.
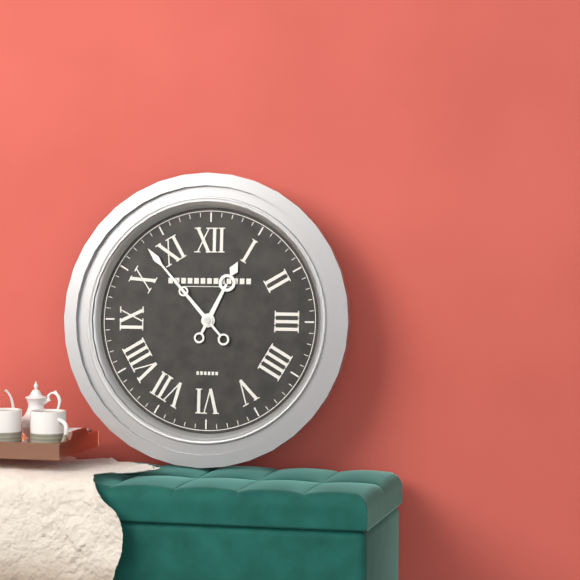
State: 12 h 53 min
